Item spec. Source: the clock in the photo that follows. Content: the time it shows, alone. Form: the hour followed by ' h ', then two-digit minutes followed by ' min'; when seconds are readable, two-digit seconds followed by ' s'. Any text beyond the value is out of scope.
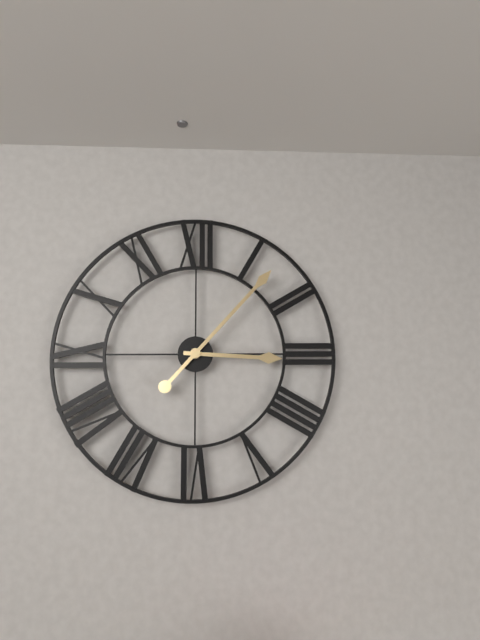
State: 3 h 07 min
